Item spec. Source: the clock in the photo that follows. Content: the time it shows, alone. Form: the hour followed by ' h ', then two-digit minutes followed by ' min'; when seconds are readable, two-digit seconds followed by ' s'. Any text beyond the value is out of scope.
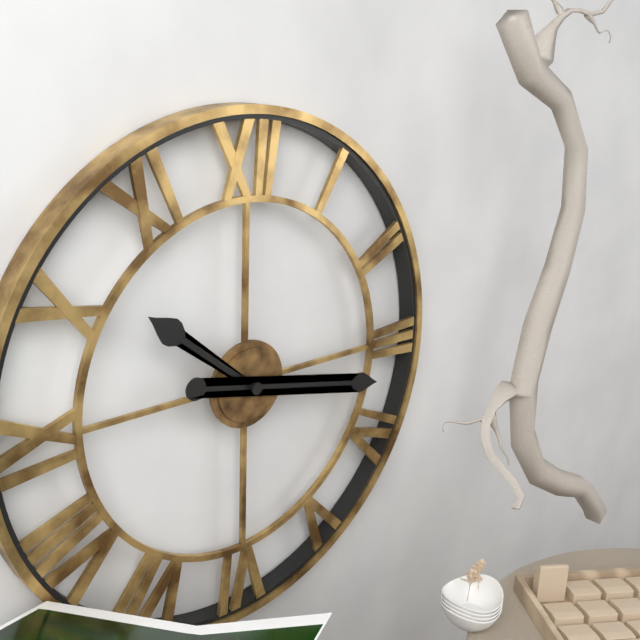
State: 10 h 17 min
